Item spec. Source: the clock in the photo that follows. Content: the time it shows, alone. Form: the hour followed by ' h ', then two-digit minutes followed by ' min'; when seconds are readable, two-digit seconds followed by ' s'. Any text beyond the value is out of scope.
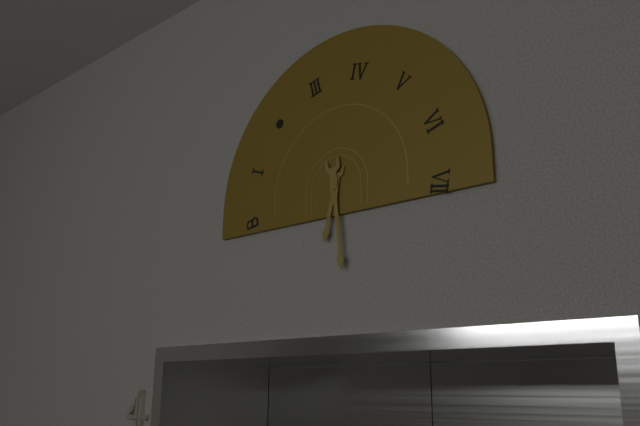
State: 6 h 29 min
